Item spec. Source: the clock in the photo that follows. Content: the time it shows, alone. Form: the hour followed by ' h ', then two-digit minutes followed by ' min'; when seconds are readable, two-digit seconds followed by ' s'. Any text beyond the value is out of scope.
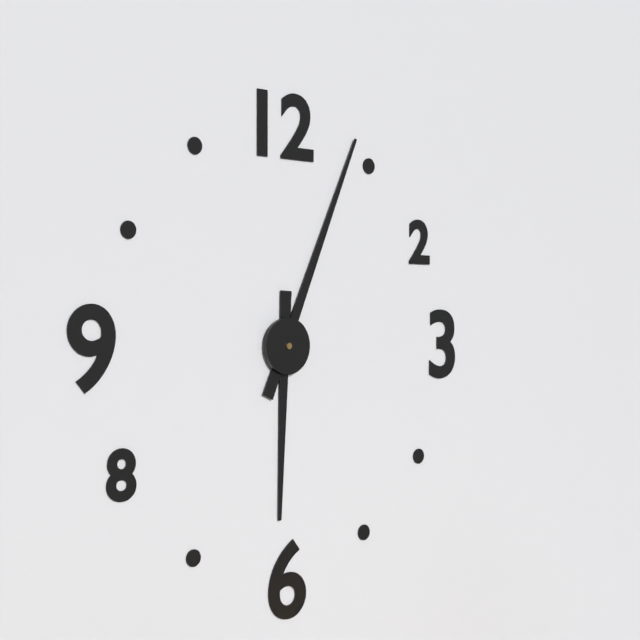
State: 6 h 04 min
